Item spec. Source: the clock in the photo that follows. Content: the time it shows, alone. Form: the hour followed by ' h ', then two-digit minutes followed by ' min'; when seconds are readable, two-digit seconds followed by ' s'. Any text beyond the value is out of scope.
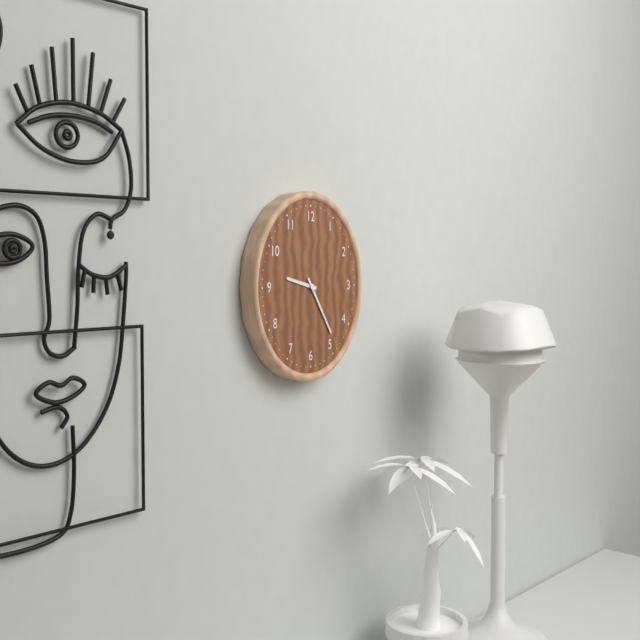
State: 9 h 24 min
